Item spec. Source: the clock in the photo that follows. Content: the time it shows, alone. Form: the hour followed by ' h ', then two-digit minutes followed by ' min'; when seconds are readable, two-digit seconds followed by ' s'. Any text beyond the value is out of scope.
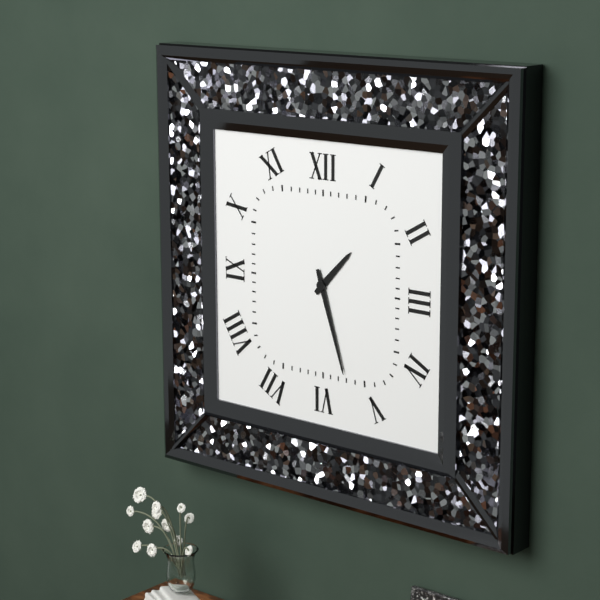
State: 1 h 27 min
